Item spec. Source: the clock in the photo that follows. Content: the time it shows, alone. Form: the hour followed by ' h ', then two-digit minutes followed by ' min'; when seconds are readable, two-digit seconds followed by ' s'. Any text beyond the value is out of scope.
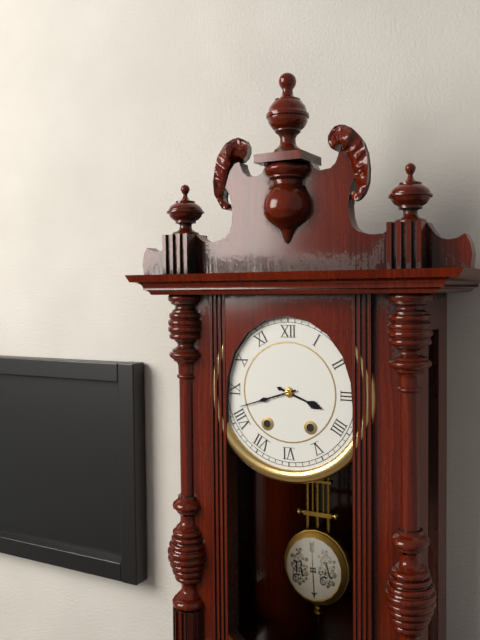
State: 3 h 42 min
